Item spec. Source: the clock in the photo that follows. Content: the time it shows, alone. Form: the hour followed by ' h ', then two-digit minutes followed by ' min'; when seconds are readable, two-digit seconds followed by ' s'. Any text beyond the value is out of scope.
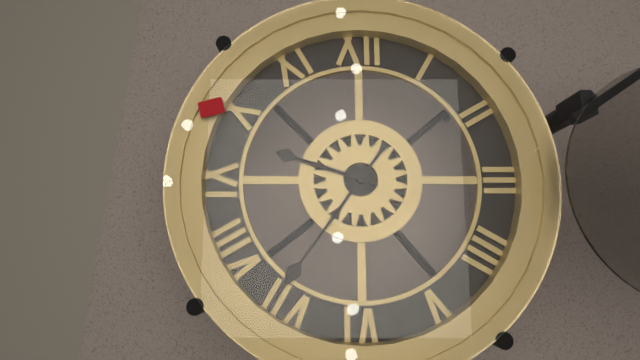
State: 9 h 36 min
